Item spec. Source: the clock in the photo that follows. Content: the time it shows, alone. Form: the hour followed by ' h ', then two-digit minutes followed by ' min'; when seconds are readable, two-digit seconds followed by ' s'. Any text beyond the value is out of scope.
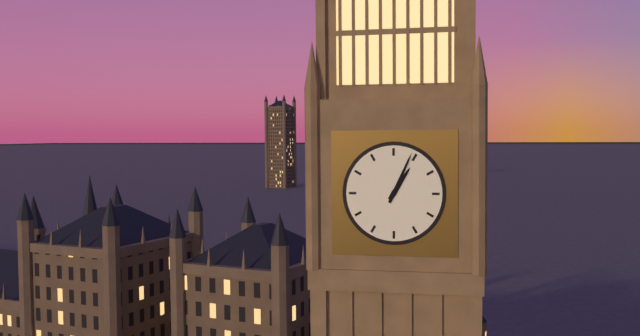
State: 1 h 04 min
